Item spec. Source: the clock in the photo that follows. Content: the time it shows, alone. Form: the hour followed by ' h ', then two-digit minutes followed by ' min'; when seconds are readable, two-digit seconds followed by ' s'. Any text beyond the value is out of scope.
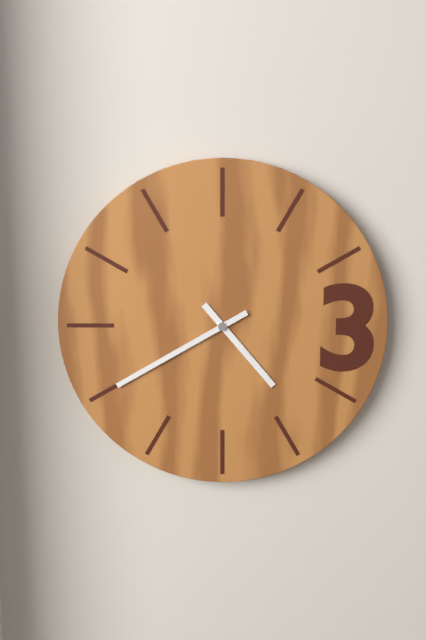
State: 4 h 40 min
